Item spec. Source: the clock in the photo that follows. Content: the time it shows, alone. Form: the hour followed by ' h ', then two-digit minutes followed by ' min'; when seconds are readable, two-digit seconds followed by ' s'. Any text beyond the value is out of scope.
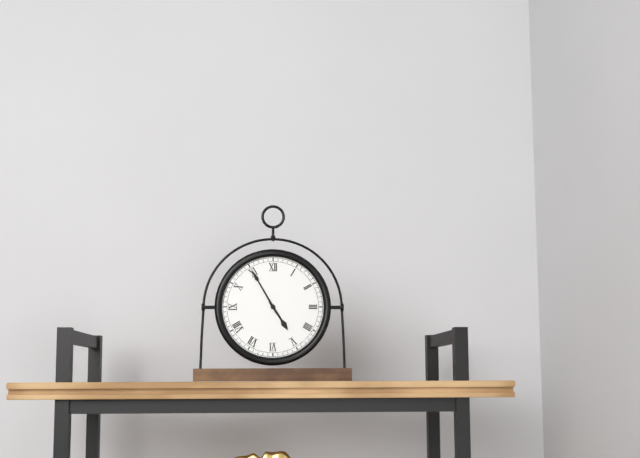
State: 4 h 55 min
